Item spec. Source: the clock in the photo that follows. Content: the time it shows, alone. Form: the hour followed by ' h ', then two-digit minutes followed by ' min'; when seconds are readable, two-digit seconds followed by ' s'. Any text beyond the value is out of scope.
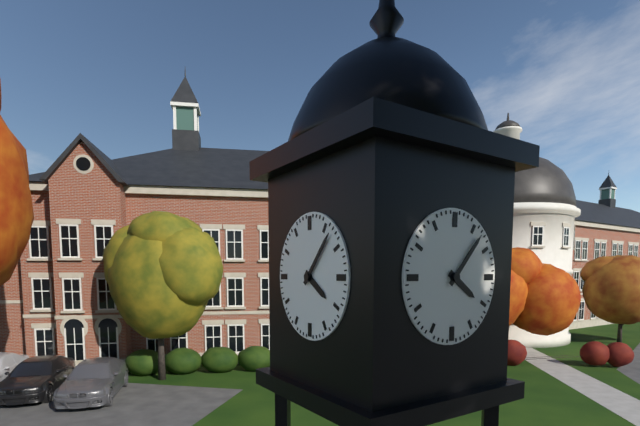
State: 4 h 07 min
